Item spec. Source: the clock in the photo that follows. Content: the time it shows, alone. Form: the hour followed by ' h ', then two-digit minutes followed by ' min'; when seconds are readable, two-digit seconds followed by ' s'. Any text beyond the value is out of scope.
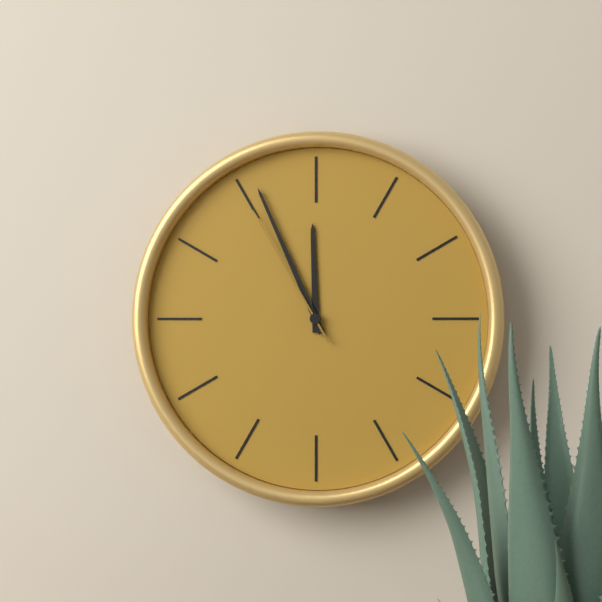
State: 11 h 56 min 55 s
